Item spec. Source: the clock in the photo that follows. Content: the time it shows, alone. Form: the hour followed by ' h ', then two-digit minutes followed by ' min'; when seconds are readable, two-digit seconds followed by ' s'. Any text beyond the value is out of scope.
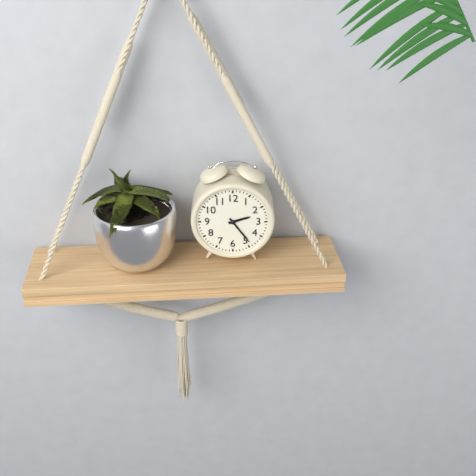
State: 2 h 24 min
